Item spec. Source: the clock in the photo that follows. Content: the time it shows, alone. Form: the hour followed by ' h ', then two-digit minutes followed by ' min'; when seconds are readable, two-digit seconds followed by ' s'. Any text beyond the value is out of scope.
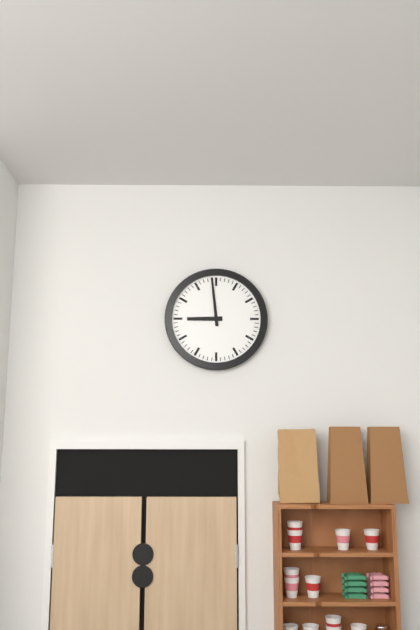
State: 8 h 59 min
